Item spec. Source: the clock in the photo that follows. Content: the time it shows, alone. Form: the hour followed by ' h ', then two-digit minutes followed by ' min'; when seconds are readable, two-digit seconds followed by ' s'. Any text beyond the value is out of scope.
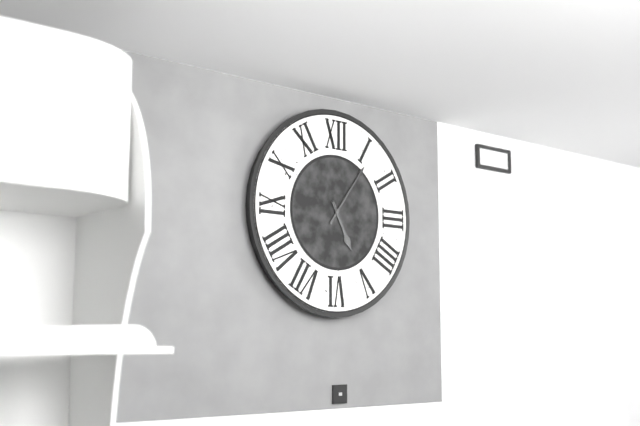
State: 5 h 06 min
